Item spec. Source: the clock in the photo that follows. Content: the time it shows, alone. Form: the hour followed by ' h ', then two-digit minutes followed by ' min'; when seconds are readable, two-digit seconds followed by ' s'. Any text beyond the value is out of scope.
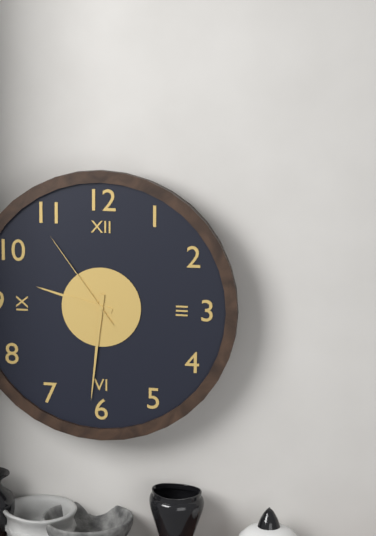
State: 9 h 31 min 54 s
